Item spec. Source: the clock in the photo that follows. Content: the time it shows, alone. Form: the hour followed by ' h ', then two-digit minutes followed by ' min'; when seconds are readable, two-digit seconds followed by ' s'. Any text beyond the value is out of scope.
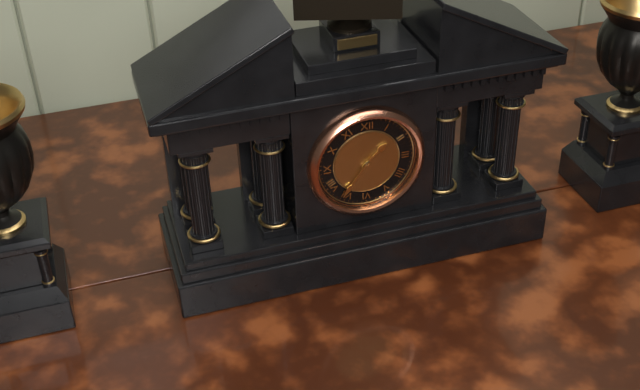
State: 1 h 36 min
